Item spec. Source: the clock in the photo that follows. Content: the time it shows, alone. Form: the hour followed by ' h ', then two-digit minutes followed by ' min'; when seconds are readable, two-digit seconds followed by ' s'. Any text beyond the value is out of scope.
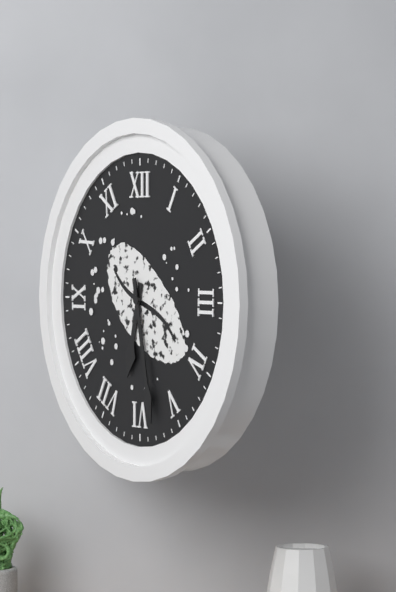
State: 6 h 28 min
